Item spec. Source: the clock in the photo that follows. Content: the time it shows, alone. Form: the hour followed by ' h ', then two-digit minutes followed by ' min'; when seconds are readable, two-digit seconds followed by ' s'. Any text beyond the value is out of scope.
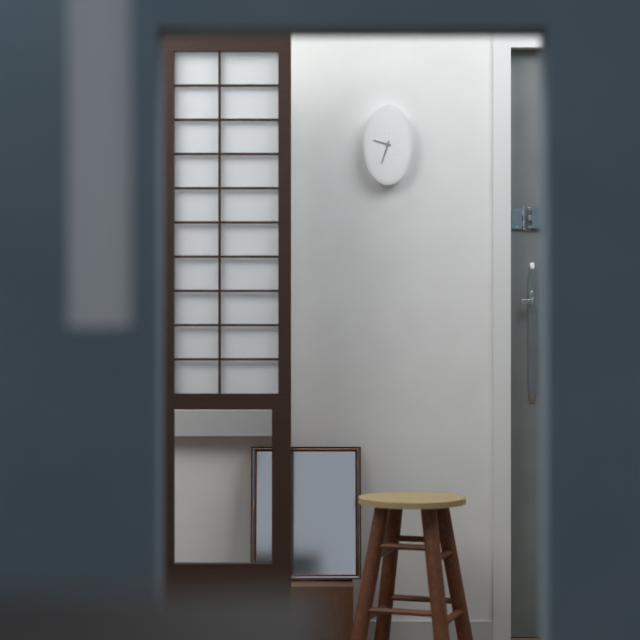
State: 9 h 33 min
